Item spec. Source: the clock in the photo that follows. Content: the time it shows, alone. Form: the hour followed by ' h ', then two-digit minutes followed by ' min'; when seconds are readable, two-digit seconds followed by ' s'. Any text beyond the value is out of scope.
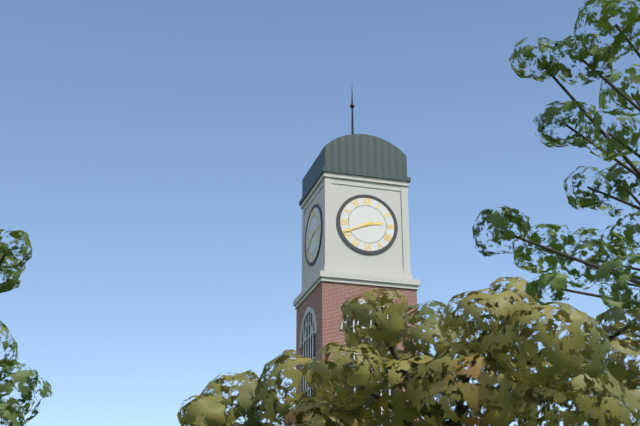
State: 2 h 41 min
